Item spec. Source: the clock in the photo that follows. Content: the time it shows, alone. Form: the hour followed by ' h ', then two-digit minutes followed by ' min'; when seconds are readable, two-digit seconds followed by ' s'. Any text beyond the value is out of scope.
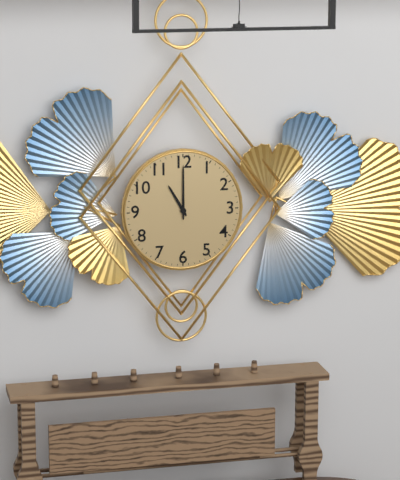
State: 11 h 00 min
